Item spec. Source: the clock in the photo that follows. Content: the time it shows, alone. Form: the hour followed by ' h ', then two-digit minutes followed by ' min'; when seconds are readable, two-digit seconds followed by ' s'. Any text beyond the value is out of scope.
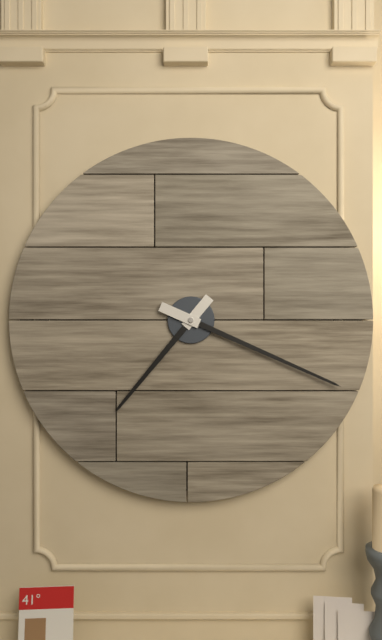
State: 7 h 19 min
